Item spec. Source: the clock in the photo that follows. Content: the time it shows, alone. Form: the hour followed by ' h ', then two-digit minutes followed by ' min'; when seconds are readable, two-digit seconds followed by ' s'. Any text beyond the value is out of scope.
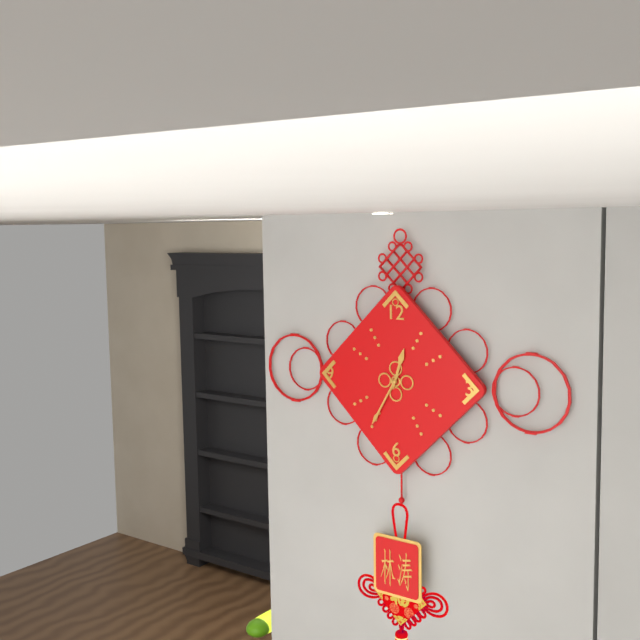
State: 12 h 35 min
